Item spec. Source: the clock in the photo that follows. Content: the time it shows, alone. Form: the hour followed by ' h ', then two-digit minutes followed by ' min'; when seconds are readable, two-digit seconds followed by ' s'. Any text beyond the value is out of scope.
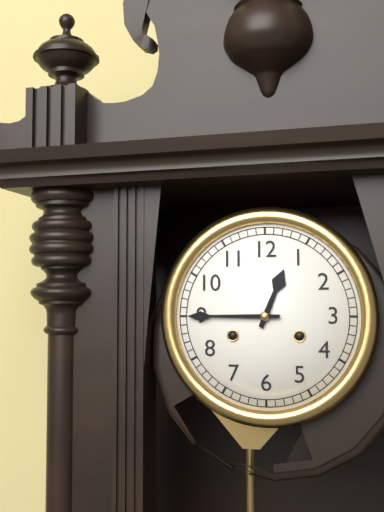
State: 12 h 45 min
